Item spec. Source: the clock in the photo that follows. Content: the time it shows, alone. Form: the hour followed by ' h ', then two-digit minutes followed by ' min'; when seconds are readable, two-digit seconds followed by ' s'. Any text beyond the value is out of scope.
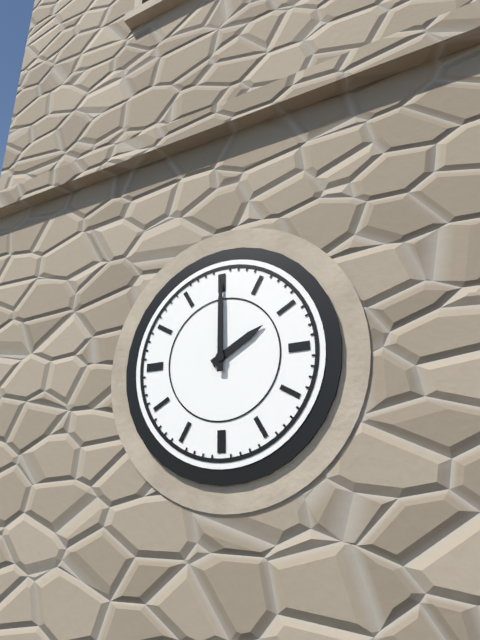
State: 2 h 00 min
